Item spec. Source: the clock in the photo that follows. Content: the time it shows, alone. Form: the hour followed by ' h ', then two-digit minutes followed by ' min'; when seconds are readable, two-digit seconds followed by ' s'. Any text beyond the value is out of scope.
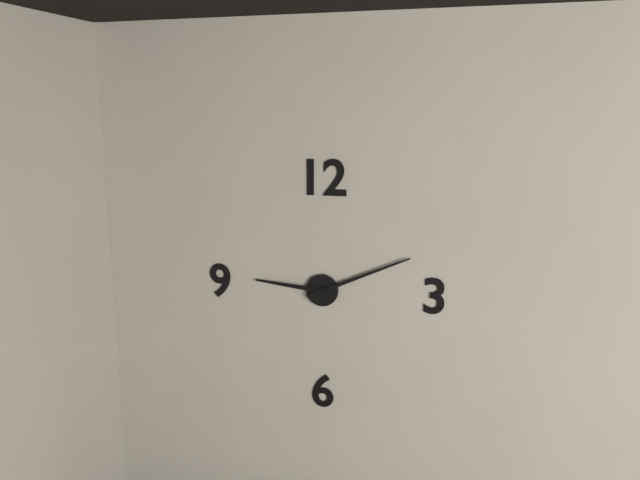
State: 9 h 11 min
